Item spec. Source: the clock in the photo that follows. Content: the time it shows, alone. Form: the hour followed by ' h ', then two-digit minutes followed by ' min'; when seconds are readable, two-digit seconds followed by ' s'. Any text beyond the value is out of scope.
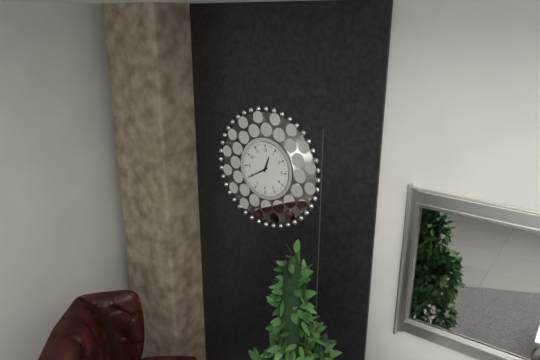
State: 12 h 40 min
